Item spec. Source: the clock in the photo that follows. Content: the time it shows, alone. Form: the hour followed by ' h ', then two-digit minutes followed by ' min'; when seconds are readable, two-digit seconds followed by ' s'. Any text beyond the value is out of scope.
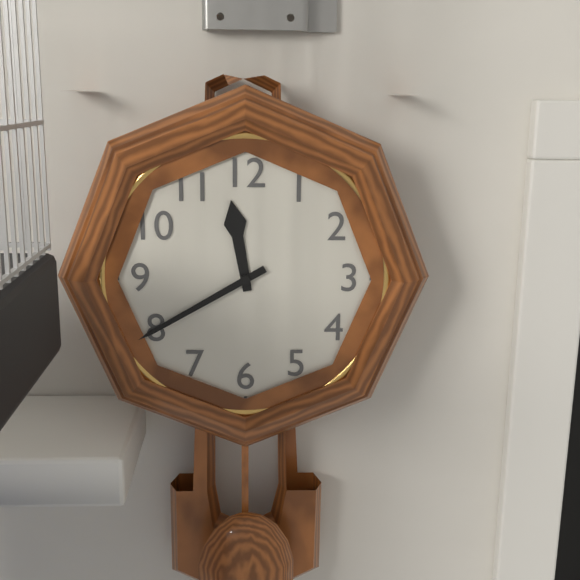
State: 11 h 40 min
